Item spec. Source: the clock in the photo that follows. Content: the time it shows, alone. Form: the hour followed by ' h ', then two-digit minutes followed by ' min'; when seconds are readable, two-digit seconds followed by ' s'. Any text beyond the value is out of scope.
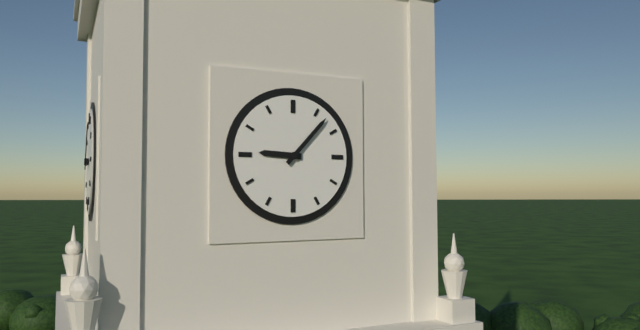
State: 9 h 07 min
